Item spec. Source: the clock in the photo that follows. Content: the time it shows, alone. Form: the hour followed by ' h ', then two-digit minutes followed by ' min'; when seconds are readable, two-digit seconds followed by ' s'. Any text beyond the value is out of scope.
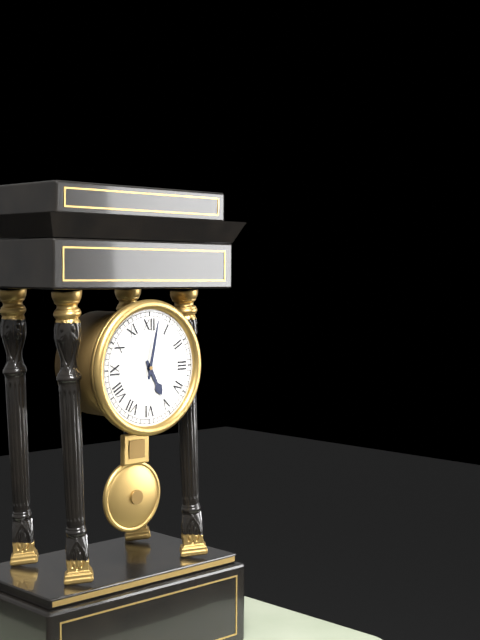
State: 5 h 02 min
